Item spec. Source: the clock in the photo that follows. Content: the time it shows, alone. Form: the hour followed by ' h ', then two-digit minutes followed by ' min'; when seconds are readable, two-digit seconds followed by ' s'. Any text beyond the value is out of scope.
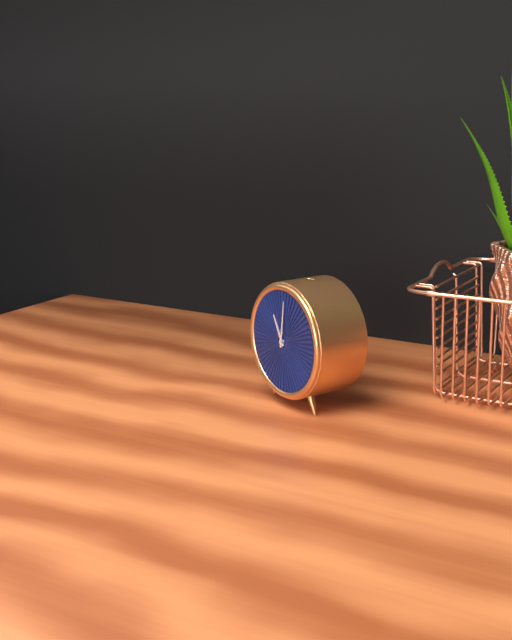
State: 11 h 01 min
